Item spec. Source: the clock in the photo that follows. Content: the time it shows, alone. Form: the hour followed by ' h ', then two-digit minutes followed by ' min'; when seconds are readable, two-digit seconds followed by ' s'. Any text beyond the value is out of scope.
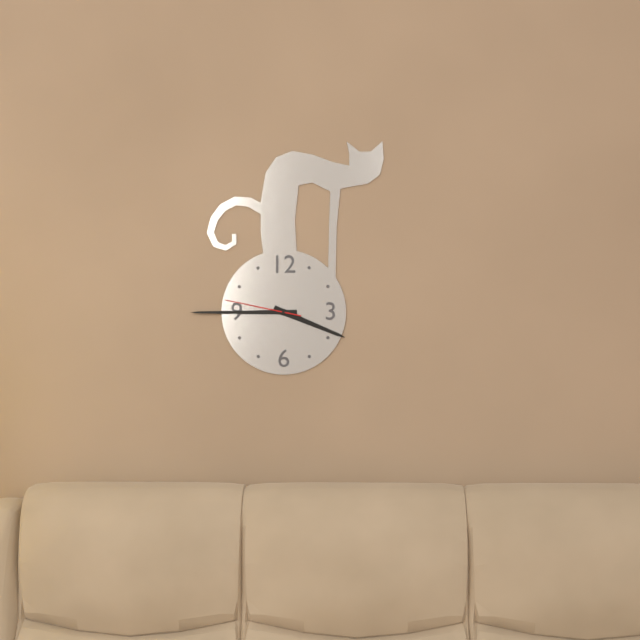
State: 3 h 45 min 47 s
